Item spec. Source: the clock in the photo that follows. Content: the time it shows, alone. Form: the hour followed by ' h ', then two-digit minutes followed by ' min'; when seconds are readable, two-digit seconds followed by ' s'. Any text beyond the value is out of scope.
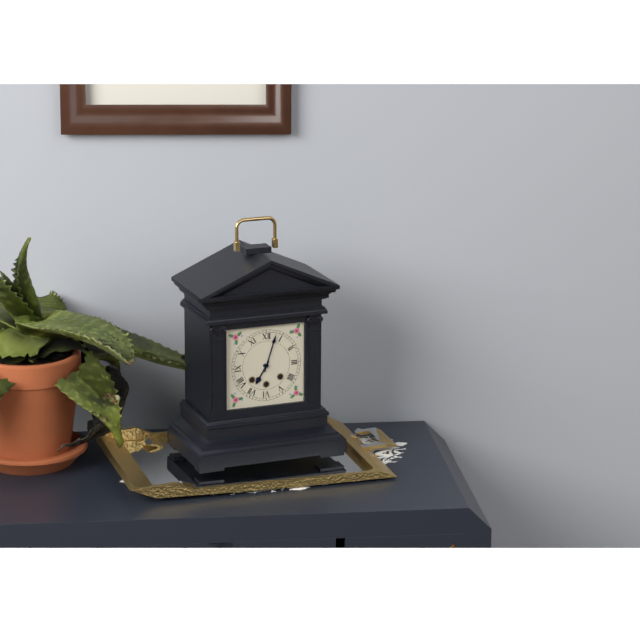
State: 7 h 03 min
